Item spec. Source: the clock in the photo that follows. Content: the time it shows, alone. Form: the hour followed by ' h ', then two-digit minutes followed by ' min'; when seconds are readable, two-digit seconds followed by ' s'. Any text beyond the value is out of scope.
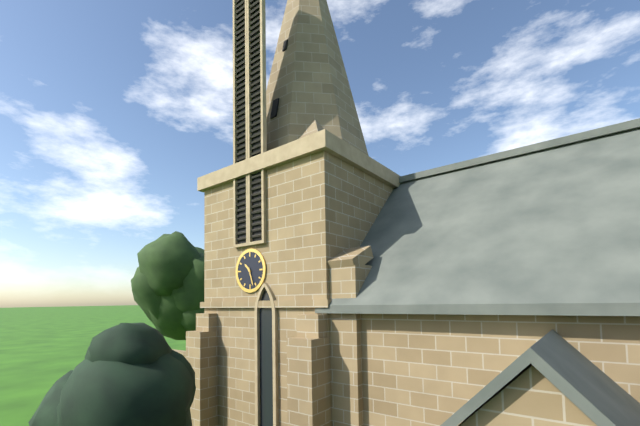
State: 10 h 27 min
